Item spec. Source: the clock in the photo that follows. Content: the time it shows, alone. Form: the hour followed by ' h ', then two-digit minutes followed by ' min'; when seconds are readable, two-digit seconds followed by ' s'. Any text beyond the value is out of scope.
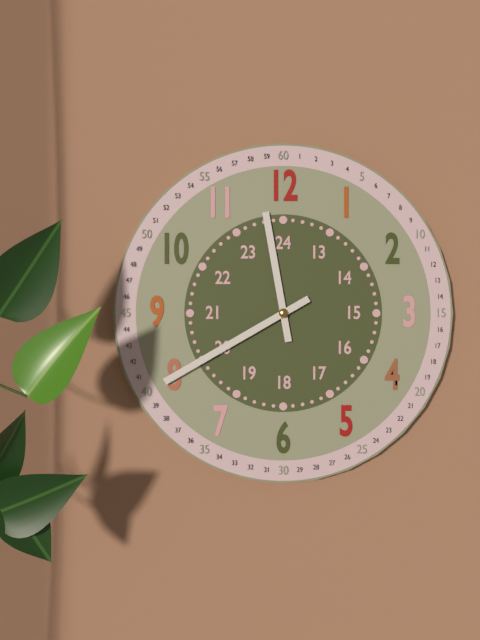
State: 11 h 40 min
